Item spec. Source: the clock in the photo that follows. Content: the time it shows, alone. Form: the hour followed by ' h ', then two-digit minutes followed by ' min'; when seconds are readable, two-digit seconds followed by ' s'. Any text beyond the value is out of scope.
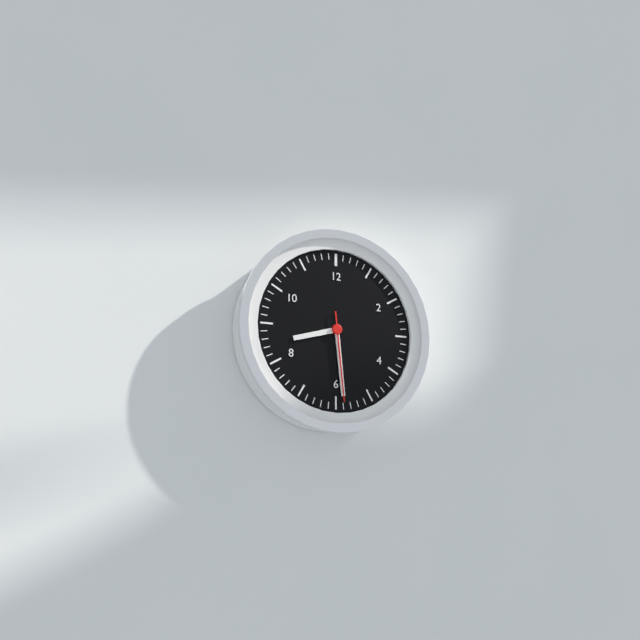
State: 8 h 29 min 29 s
